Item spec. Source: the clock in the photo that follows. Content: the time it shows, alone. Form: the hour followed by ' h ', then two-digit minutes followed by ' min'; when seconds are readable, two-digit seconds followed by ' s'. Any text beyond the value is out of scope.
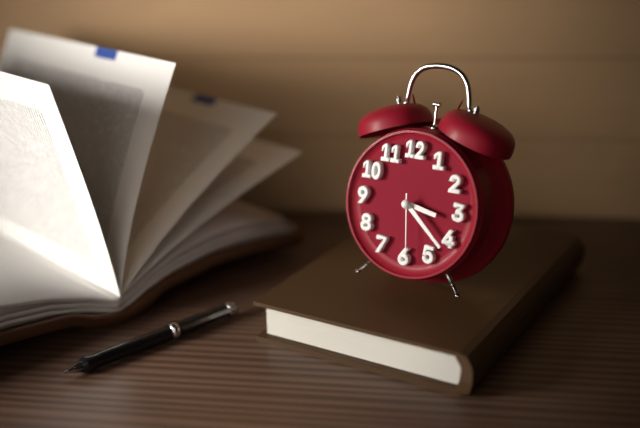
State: 3 h 22 min 29 s
